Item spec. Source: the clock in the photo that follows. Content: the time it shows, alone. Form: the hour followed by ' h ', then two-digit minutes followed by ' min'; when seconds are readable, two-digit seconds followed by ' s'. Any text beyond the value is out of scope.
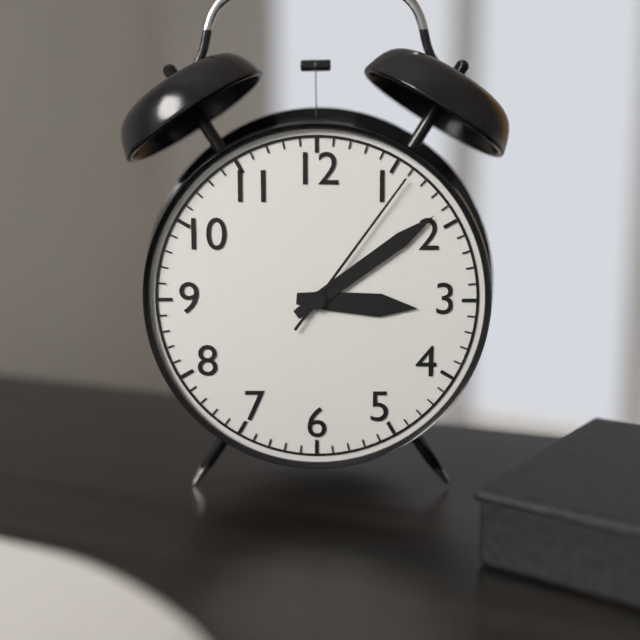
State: 3 h 09 min 06 s
